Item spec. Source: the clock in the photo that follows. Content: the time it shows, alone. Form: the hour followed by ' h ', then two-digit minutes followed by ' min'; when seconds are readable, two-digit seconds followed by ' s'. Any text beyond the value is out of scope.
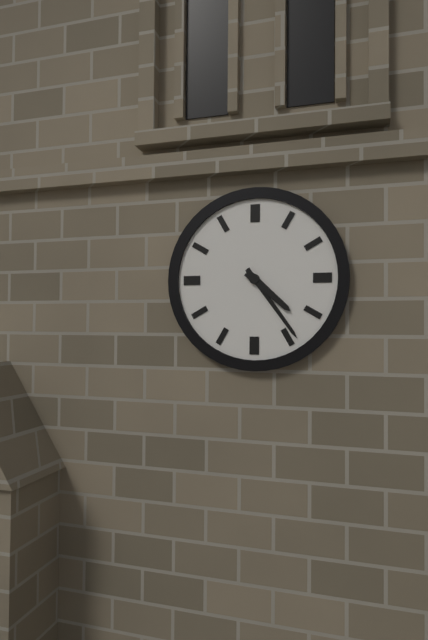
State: 4 h 24 min
